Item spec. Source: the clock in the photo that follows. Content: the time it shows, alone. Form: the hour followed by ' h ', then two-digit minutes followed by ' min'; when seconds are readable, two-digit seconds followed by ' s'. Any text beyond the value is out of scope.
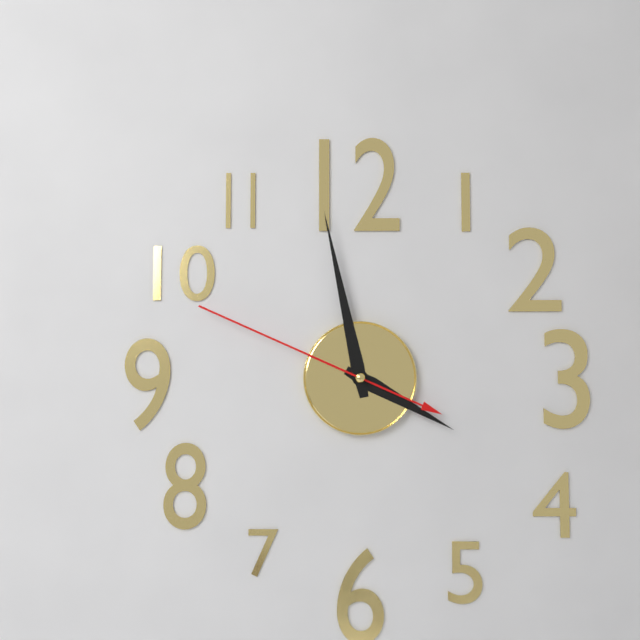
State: 3 h 58 min 49 s
